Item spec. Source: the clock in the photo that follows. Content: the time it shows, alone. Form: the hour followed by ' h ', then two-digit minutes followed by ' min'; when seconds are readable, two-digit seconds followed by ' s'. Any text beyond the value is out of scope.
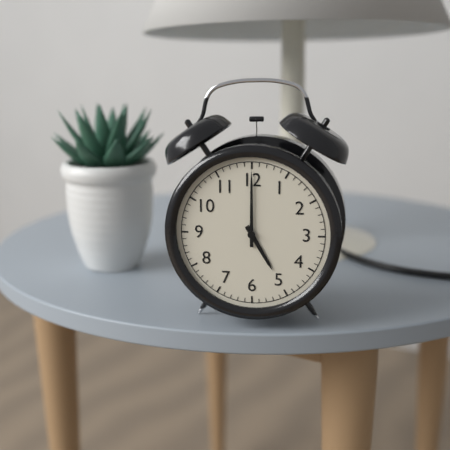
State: 5 h 00 min
